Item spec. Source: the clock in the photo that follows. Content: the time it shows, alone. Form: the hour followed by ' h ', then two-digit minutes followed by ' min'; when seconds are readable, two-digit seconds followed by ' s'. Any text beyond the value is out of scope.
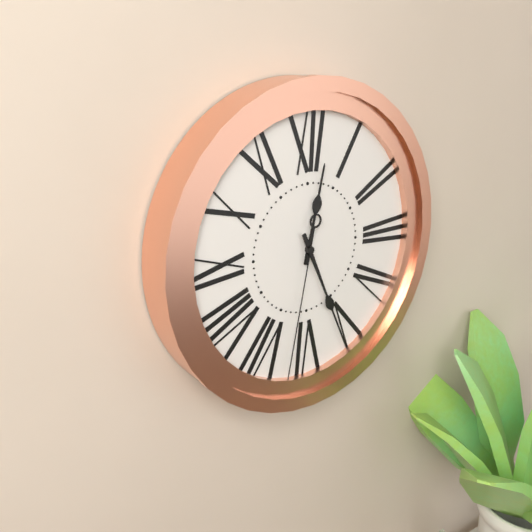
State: 12 h 26 min 32 s
